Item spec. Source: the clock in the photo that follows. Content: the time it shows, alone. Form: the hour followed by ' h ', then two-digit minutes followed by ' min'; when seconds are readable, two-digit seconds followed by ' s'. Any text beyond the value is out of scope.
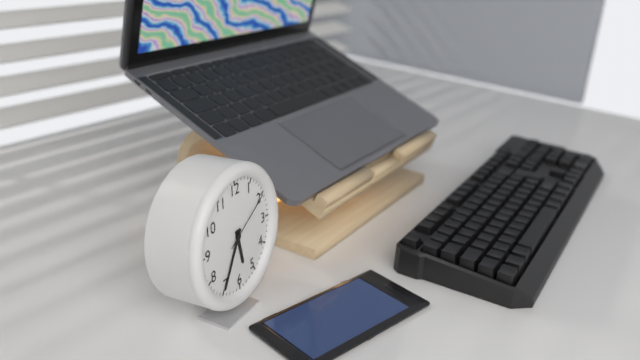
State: 5 h 35 min 10 s
